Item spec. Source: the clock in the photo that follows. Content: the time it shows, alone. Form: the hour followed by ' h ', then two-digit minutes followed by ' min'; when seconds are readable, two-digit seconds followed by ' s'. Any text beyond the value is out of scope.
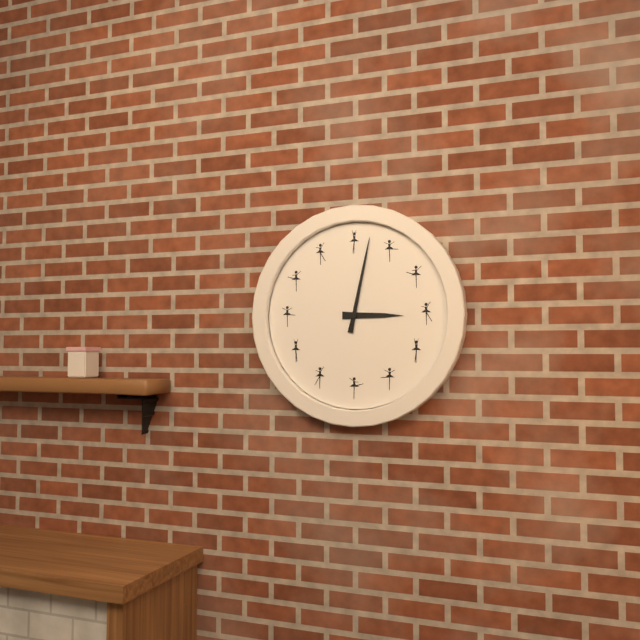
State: 3 h 02 min
